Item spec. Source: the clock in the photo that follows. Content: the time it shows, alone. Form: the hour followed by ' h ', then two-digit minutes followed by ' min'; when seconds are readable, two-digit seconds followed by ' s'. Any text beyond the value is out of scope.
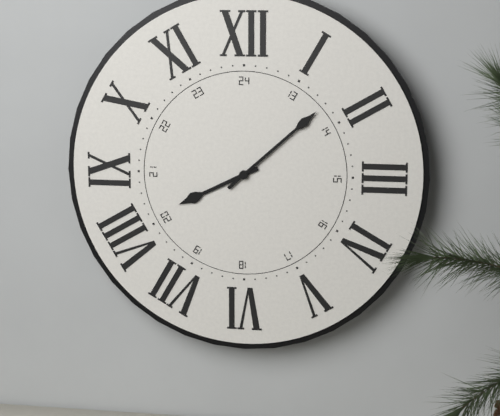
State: 8 h 08 min
